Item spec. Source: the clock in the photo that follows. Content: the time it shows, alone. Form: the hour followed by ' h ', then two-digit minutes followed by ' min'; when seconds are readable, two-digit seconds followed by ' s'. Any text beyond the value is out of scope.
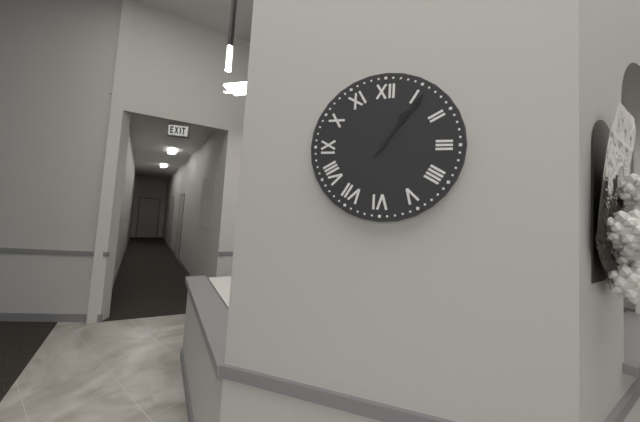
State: 1 h 06 min
